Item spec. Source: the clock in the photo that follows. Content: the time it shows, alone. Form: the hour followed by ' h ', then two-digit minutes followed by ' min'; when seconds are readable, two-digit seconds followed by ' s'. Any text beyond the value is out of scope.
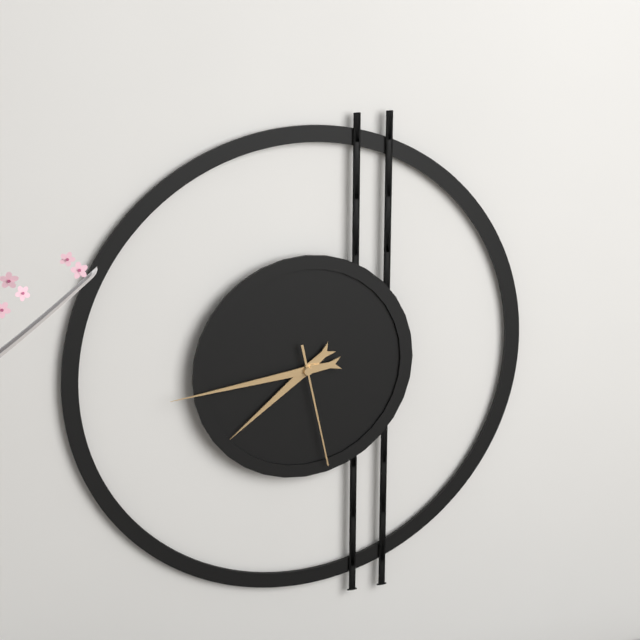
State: 7 h 44 min 28 s
